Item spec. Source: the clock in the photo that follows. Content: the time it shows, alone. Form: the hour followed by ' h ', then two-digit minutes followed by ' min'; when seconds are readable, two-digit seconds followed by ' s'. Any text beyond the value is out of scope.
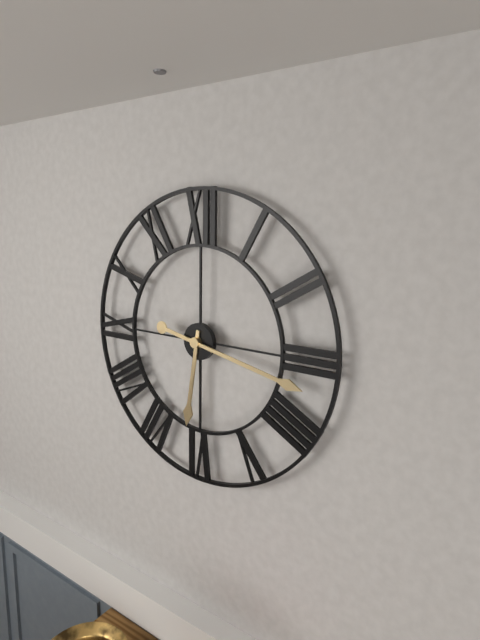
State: 6 h 17 min
